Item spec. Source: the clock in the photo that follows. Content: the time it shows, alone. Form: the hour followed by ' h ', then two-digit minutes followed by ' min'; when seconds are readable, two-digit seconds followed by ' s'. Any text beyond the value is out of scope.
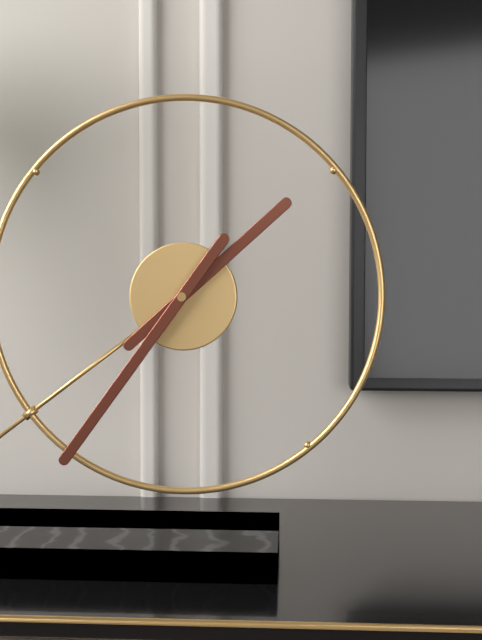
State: 1 h 36 min
